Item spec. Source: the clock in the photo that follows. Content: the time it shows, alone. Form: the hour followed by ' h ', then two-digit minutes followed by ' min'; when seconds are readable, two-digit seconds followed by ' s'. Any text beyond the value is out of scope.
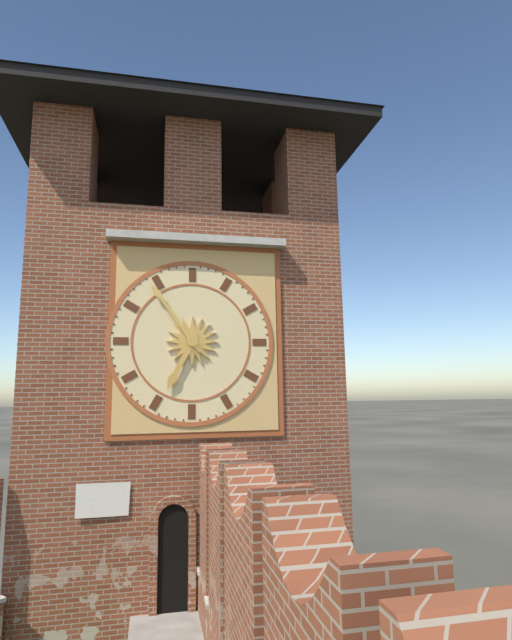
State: 6 h 54 min
